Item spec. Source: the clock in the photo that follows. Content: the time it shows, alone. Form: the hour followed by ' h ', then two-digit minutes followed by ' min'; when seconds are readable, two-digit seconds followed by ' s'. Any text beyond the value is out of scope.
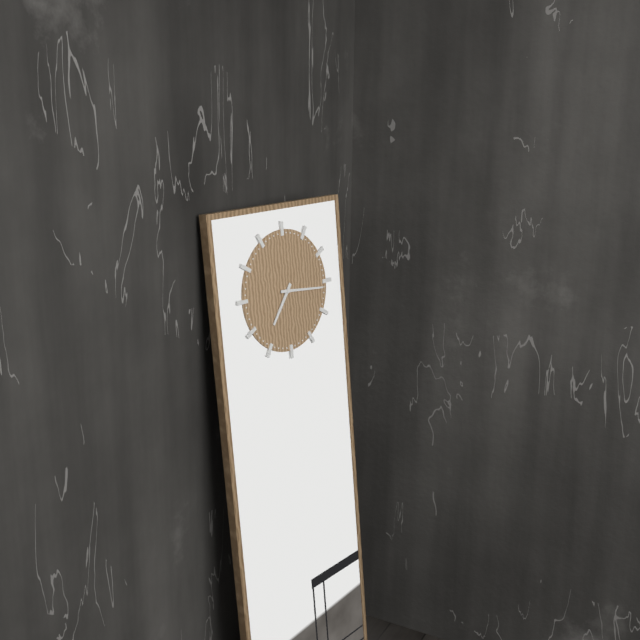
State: 7 h 16 min
